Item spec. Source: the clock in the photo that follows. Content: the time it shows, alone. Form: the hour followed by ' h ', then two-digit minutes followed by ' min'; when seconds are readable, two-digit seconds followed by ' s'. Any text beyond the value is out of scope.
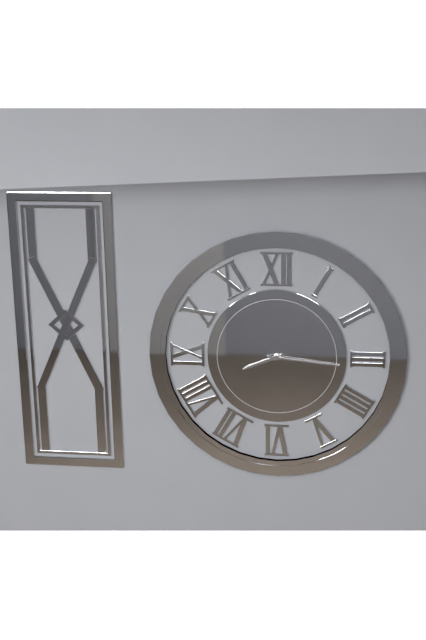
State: 8 h 16 min
